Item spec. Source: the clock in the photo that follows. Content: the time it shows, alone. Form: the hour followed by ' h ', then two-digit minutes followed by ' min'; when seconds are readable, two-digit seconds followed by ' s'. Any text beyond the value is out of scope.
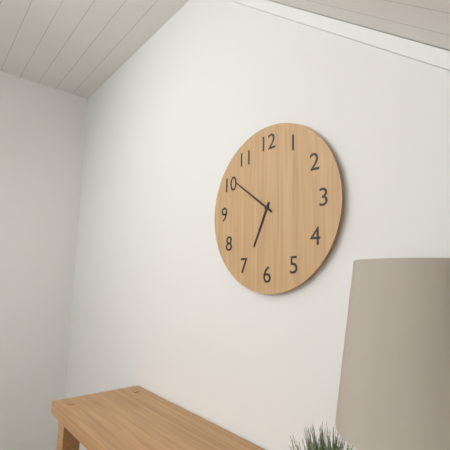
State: 6 h 51 min
